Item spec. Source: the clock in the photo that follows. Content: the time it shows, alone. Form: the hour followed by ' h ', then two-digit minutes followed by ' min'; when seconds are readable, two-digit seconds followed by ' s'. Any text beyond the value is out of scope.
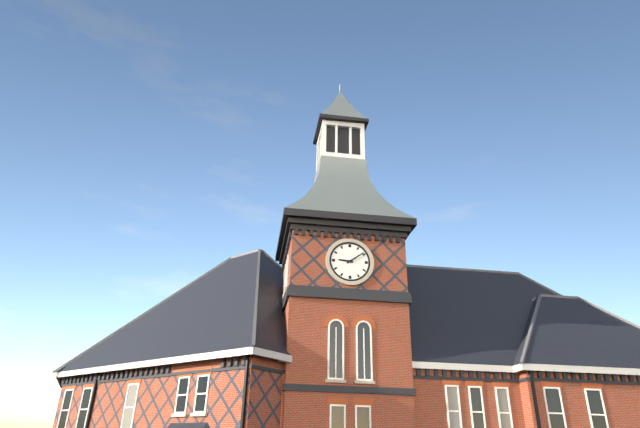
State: 9 h 09 min
